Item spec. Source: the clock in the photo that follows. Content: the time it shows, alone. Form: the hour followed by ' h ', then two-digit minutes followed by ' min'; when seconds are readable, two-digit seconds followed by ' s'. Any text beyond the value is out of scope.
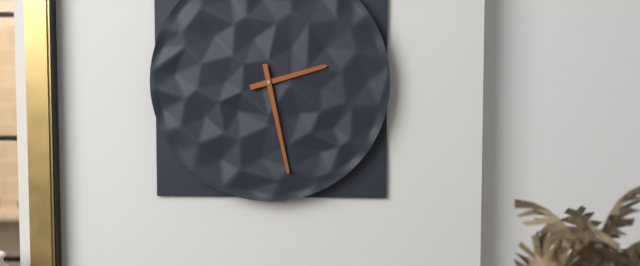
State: 2 h 28 min
